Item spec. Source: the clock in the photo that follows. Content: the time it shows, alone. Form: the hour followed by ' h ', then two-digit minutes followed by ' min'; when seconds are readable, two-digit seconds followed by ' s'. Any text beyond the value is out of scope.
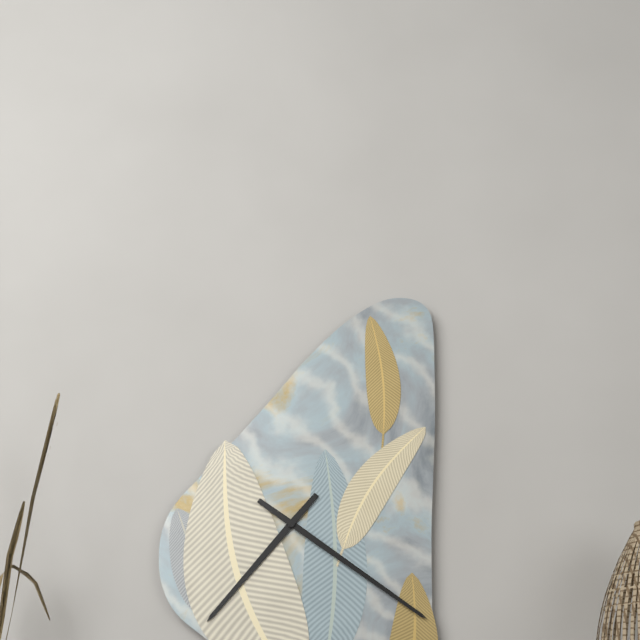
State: 7 h 21 min
